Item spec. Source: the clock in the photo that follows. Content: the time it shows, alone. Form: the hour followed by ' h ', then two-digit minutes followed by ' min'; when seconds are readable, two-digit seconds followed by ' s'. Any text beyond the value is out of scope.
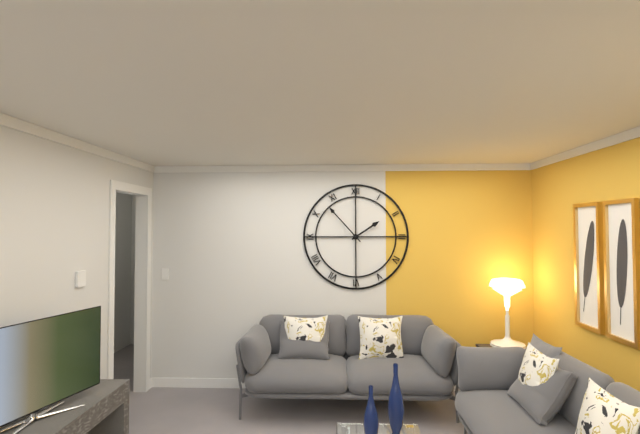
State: 1 h 53 min
